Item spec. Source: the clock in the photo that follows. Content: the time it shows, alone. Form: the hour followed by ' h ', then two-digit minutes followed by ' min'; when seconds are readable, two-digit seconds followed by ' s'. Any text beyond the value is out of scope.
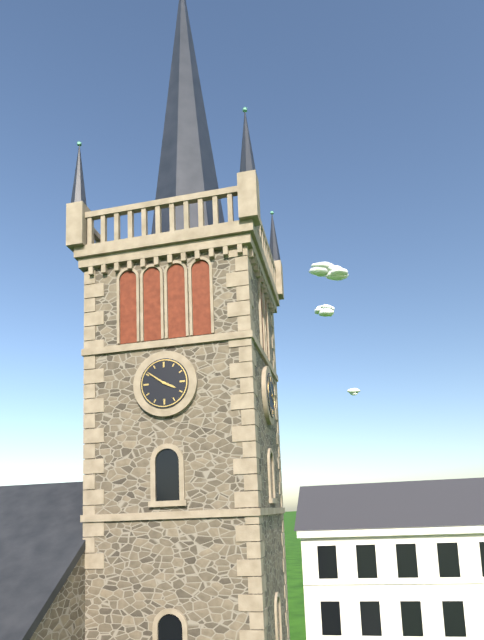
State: 3 h 51 min
